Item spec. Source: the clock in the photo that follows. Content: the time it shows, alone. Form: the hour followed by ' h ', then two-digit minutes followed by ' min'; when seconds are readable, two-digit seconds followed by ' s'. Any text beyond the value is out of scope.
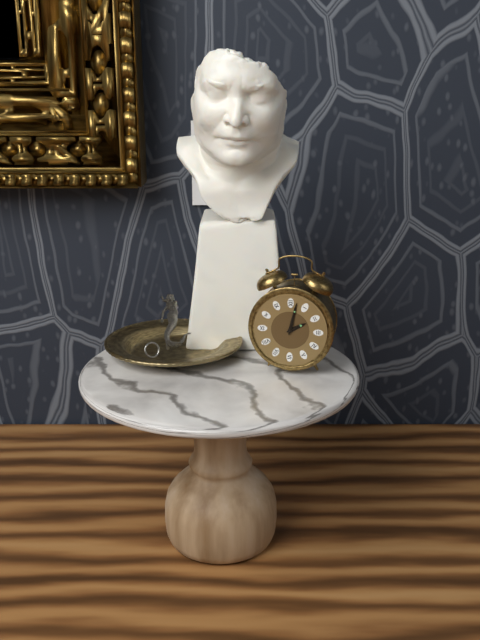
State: 2 h 02 min
